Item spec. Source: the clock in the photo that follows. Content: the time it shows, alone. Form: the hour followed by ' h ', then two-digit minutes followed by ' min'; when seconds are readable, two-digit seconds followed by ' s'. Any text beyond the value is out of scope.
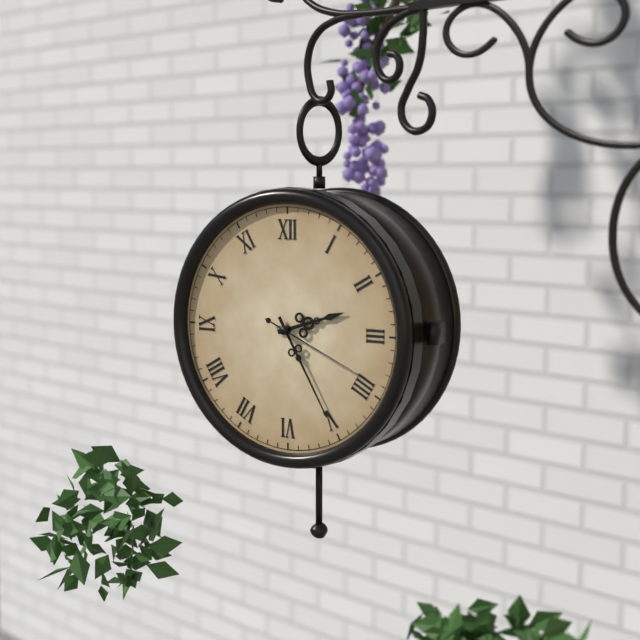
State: 2 h 25 min 19 s
